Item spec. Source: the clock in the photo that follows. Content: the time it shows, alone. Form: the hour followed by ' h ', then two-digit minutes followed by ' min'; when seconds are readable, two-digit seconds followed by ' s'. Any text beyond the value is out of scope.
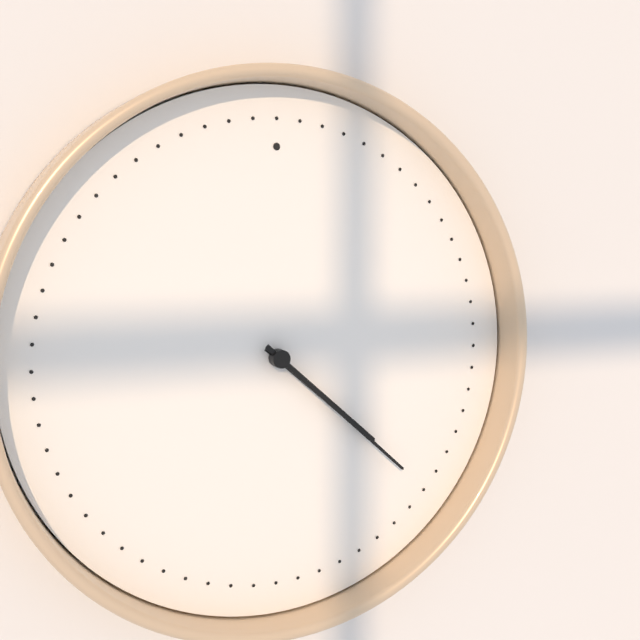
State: 4 h 22 min
